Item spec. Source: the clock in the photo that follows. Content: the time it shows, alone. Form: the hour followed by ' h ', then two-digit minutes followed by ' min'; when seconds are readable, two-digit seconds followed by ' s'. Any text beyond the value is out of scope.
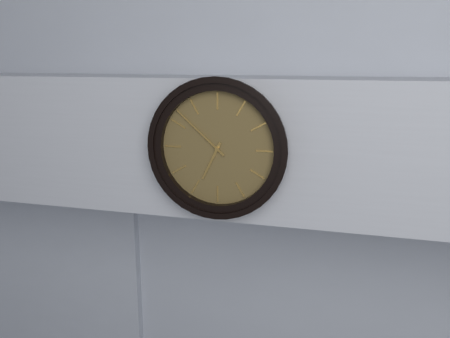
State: 6 h 52 min
